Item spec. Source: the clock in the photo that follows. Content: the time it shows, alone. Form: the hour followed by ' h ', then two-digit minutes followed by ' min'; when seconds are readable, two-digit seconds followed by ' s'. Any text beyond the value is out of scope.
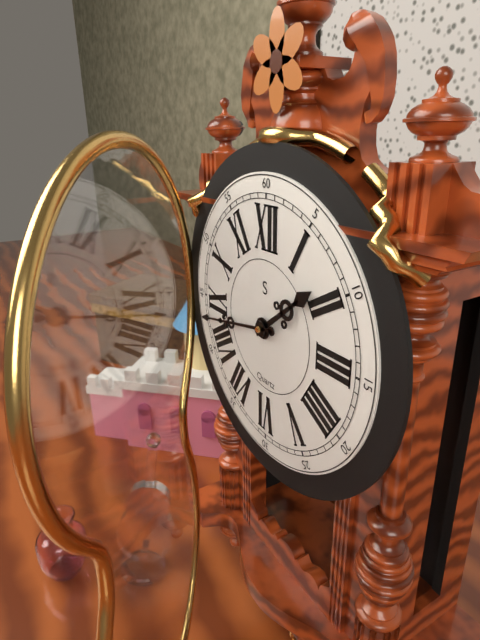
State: 1 h 43 min
